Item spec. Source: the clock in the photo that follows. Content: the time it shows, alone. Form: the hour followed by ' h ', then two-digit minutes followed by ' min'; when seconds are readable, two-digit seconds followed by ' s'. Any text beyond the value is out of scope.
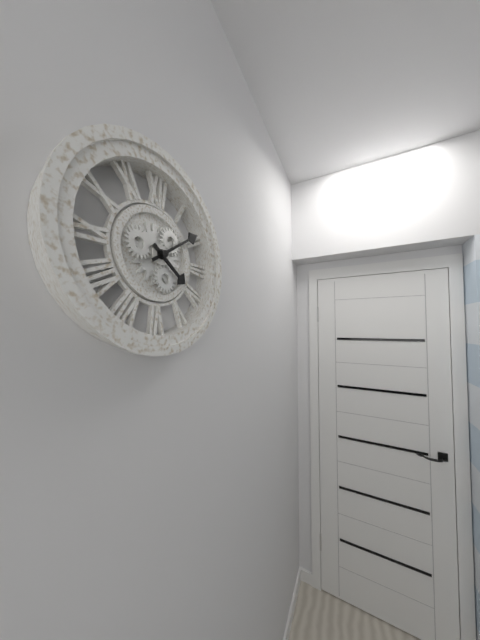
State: 4 h 09 min
